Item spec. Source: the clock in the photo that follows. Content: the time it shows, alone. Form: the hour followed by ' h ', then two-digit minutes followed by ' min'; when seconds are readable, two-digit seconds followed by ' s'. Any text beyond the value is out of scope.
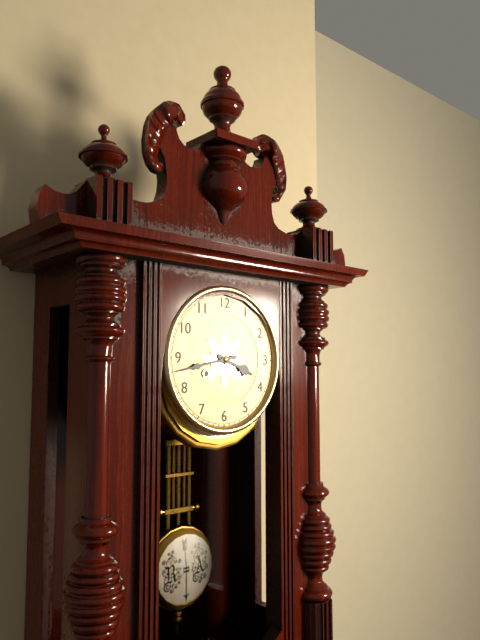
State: 3 h 43 min
